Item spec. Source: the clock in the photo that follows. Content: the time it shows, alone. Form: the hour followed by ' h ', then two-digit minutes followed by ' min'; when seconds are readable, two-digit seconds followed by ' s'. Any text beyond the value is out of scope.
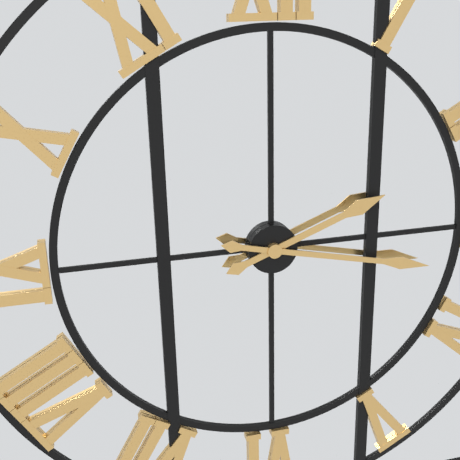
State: 2 h 17 min
